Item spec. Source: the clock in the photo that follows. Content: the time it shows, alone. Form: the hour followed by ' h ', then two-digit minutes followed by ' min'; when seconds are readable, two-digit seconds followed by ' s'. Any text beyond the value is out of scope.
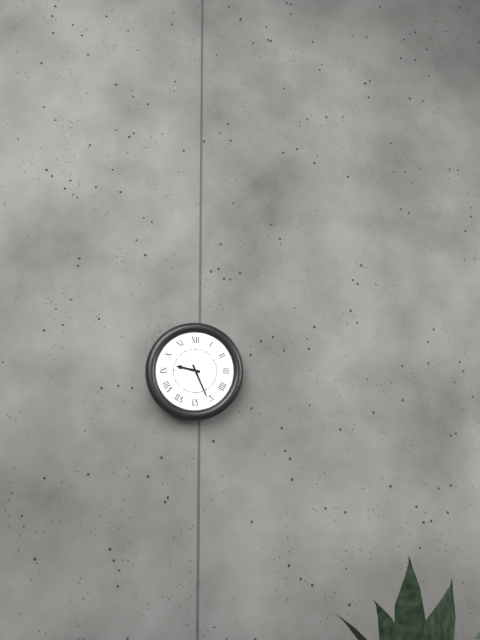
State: 9 h 26 min
